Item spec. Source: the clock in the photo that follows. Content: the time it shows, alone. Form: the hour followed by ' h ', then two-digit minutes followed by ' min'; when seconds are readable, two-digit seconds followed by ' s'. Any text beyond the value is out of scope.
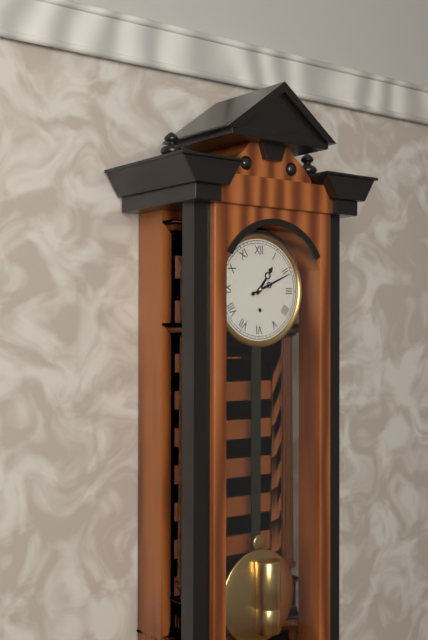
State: 1 h 11 min
